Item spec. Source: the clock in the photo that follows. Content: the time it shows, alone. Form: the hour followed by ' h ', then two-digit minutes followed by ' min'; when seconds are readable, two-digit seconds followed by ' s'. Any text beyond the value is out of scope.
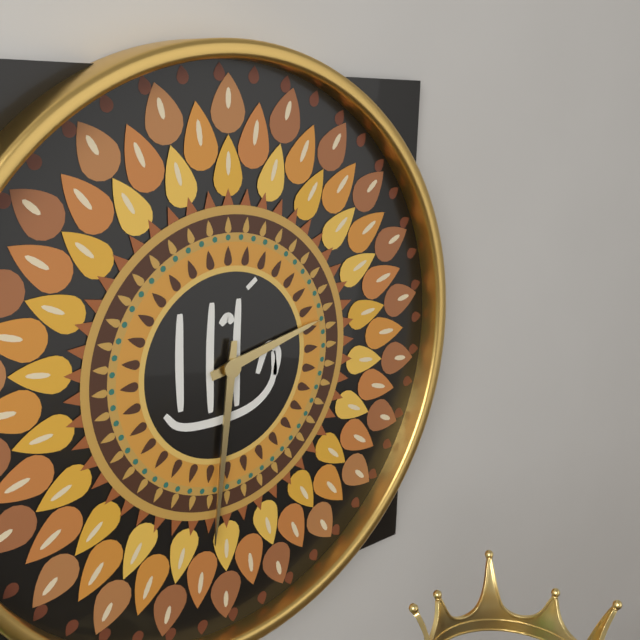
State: 2 h 31 min
